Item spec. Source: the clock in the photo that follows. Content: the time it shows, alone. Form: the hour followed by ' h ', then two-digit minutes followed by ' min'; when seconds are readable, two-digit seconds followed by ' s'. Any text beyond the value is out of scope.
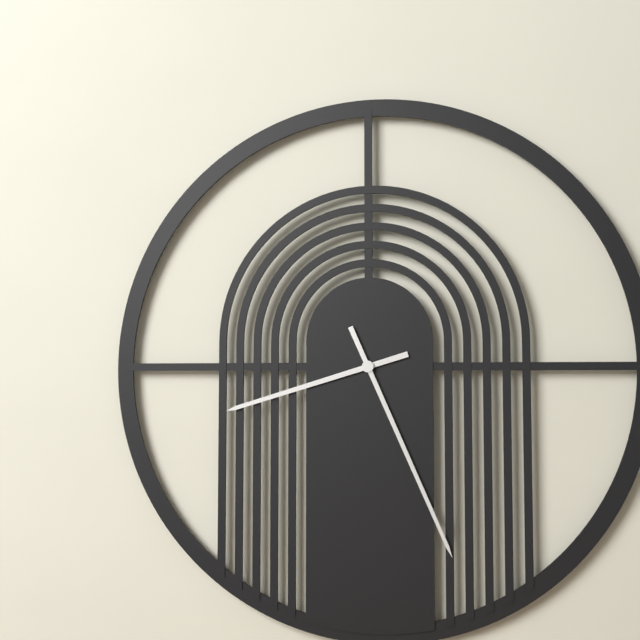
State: 8 h 26 min
